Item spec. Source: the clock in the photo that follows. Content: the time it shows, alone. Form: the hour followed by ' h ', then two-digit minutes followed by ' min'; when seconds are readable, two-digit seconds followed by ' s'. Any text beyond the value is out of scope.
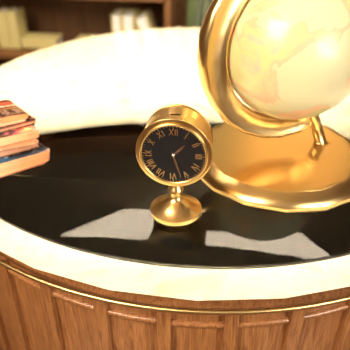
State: 1 h 27 min
